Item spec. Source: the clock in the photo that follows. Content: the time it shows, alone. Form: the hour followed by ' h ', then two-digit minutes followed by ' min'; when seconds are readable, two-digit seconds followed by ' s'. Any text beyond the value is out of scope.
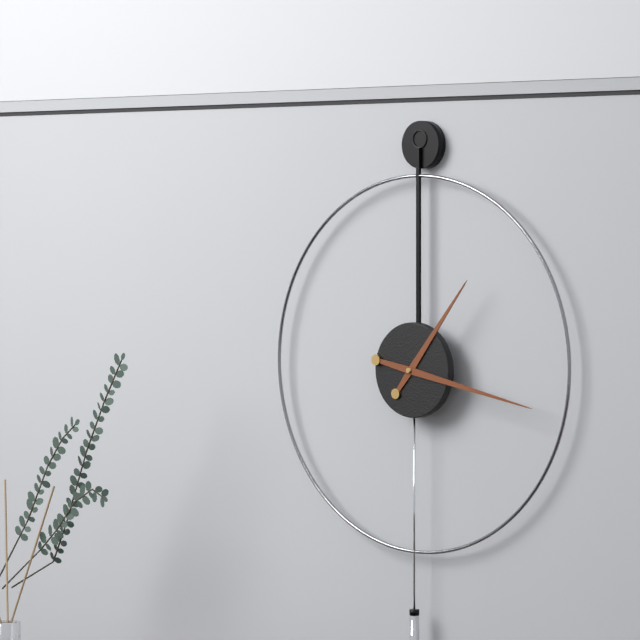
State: 1 h 17 min
